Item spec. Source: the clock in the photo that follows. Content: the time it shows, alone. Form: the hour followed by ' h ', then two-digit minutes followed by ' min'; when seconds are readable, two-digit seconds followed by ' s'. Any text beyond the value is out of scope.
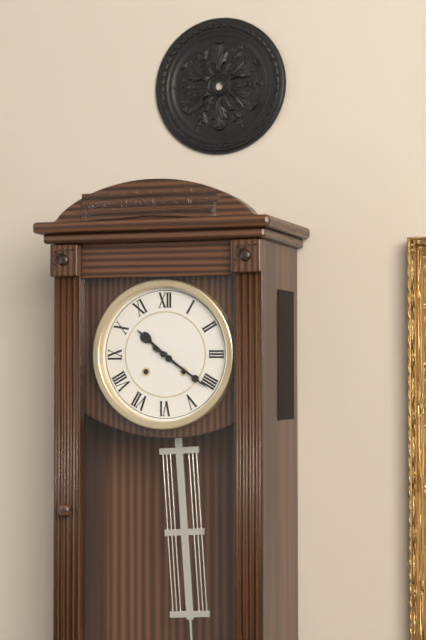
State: 10 h 21 min
